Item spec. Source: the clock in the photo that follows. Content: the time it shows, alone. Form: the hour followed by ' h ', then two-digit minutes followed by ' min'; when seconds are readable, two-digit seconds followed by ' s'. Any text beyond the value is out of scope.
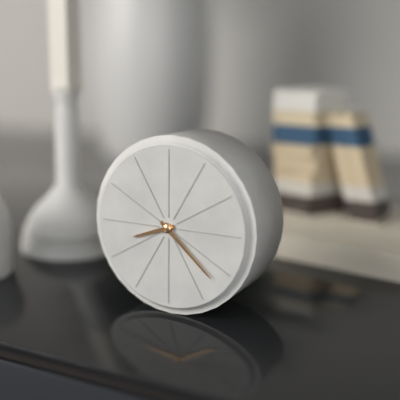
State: 8 h 22 min
